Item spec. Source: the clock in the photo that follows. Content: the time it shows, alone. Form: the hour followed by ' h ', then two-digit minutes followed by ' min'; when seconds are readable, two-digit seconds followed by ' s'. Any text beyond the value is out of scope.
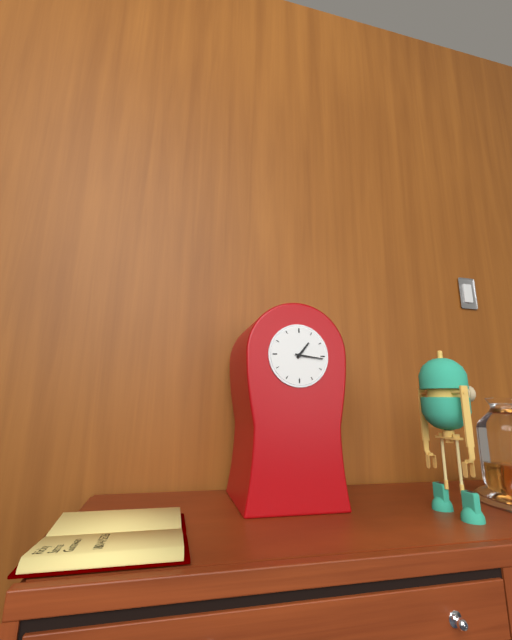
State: 1 h 16 min
